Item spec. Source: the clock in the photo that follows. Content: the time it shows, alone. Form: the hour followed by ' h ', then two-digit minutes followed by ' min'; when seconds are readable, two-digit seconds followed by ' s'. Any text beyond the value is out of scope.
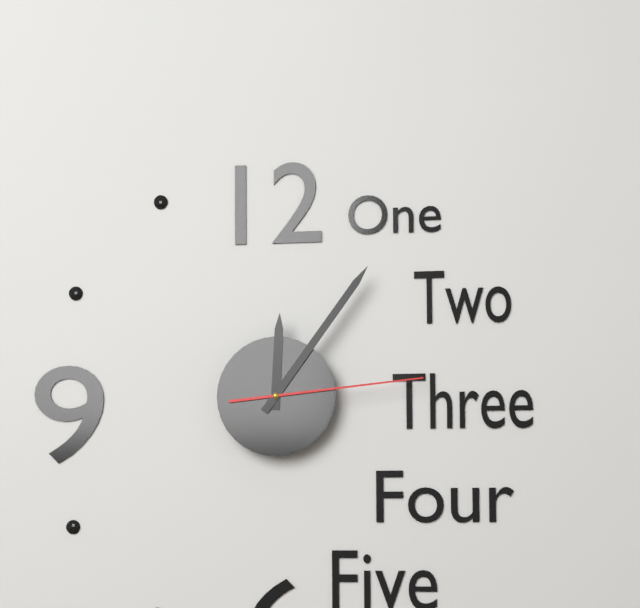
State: 12 h 06 min 14 s
